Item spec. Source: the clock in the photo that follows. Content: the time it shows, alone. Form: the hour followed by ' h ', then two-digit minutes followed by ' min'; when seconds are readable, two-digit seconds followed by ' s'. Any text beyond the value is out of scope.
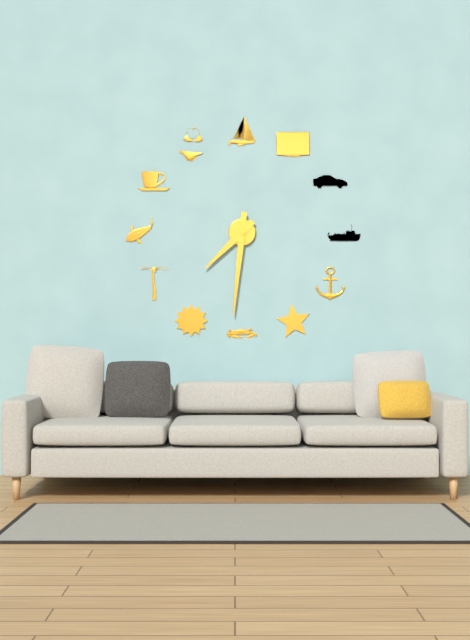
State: 7 h 31 min
